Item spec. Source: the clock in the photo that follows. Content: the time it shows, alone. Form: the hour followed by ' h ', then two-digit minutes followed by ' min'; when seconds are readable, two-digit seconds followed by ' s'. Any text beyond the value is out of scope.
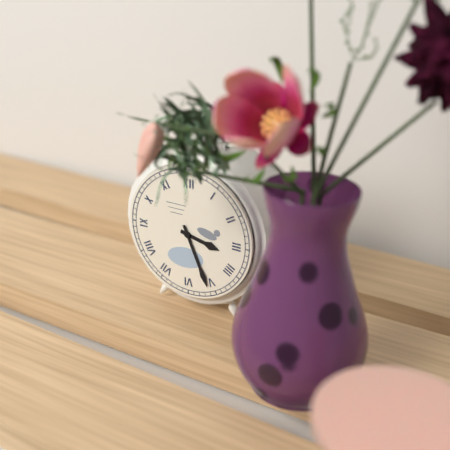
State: 3 h 26 min
